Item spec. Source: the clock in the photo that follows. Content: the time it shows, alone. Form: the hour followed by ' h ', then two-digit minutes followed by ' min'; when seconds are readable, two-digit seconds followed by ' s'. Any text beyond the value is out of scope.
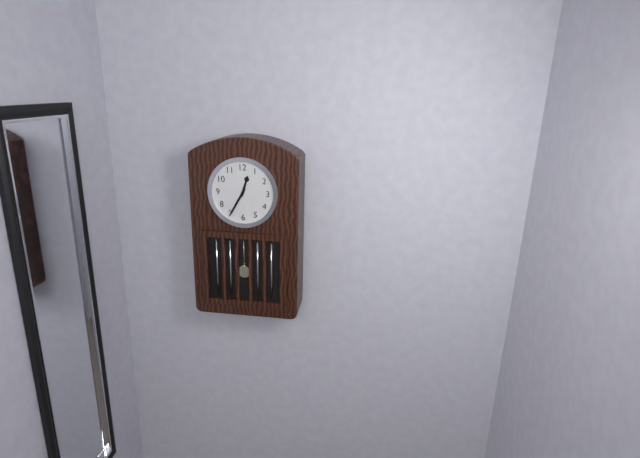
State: 12 h 35 min
